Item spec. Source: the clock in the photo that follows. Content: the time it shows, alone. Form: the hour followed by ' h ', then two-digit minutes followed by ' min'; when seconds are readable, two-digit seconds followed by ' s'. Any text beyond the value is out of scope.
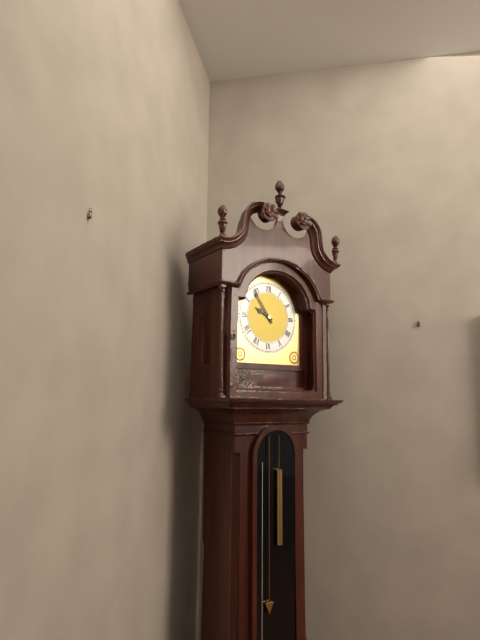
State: 9 h 54 min
